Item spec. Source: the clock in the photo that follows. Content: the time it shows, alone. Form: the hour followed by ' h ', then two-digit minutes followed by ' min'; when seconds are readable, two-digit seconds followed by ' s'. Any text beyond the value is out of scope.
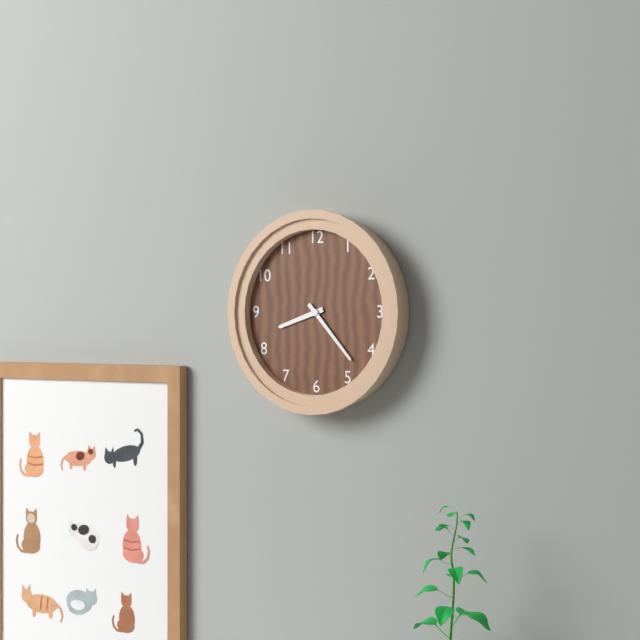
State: 8 h 23 min
